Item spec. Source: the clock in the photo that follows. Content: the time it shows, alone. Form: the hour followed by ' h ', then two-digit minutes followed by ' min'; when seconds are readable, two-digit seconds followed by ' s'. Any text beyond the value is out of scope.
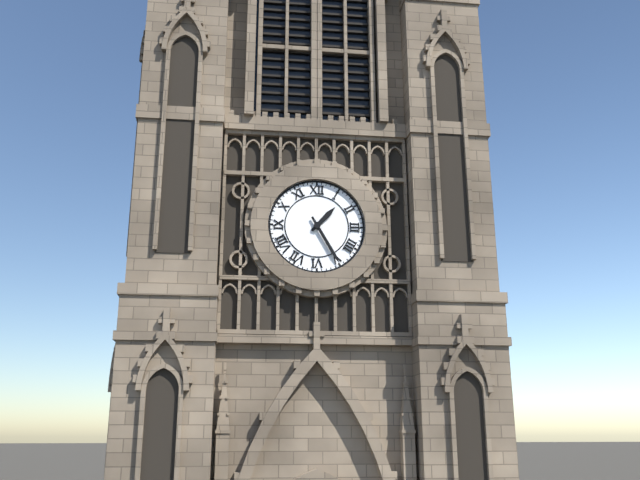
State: 1 h 25 min
